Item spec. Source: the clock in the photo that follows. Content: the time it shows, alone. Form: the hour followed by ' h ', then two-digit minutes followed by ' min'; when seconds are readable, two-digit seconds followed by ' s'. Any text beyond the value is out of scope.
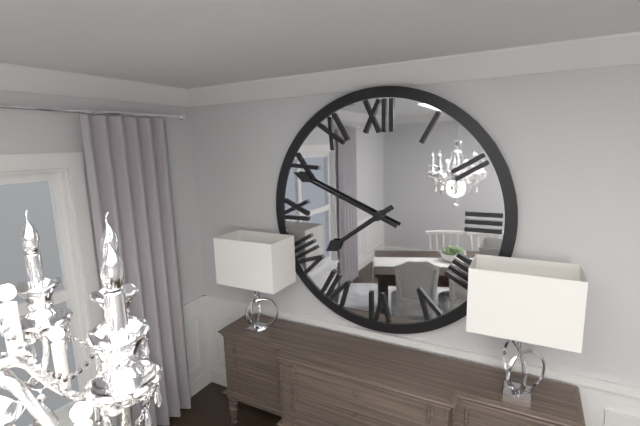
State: 7 h 49 min
